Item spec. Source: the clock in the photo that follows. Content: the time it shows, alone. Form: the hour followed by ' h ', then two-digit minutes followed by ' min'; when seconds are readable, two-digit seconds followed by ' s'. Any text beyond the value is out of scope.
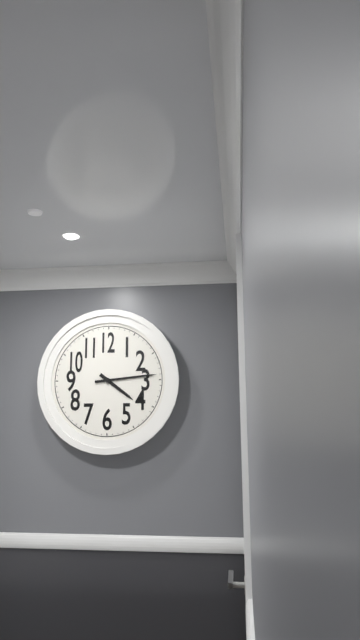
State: 4 h 14 min
